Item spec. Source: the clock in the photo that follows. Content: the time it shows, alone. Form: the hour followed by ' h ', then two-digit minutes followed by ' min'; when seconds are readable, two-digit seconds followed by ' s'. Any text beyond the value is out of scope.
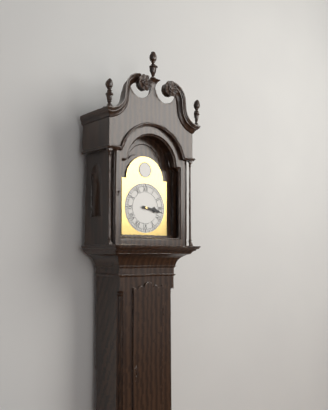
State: 3 h 17 min
